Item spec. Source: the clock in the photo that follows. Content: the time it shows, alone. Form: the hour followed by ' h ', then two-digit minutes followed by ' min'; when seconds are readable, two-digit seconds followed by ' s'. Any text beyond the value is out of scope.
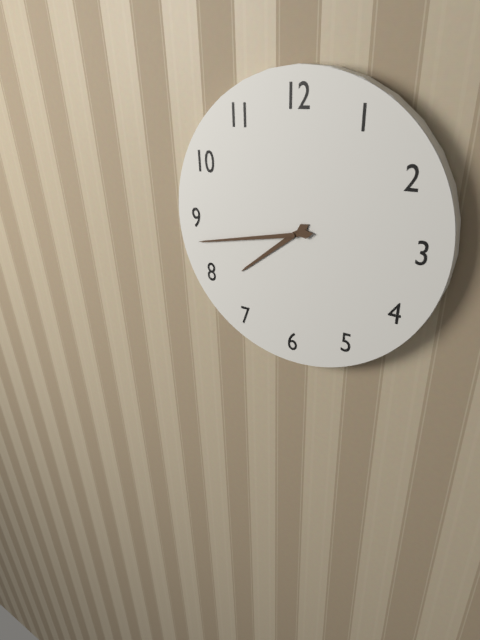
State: 7 h 43 min
